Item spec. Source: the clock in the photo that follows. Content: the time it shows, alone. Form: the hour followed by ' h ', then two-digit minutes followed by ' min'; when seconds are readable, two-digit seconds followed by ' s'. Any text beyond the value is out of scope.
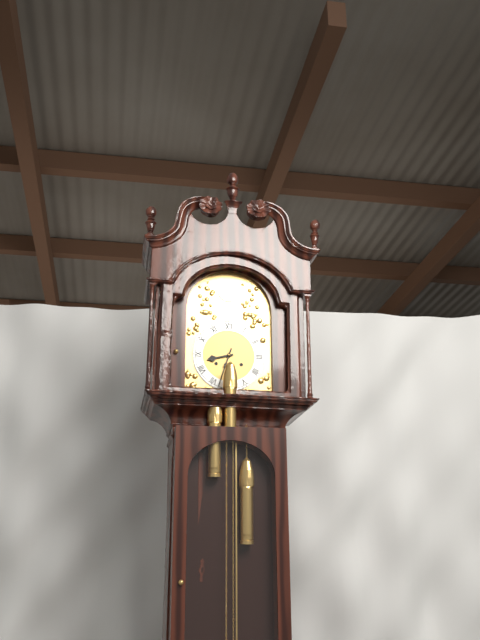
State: 8 h 33 min
